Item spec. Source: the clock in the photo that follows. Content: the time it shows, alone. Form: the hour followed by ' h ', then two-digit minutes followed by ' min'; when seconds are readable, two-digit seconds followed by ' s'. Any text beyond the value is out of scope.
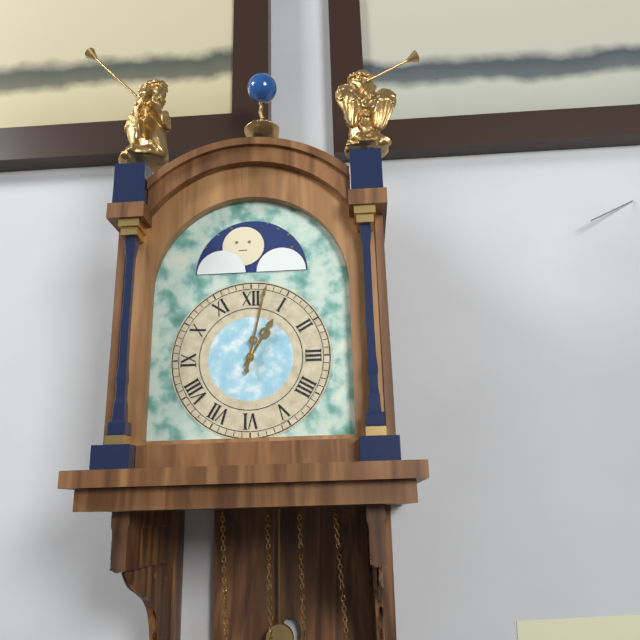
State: 1 h 02 min
